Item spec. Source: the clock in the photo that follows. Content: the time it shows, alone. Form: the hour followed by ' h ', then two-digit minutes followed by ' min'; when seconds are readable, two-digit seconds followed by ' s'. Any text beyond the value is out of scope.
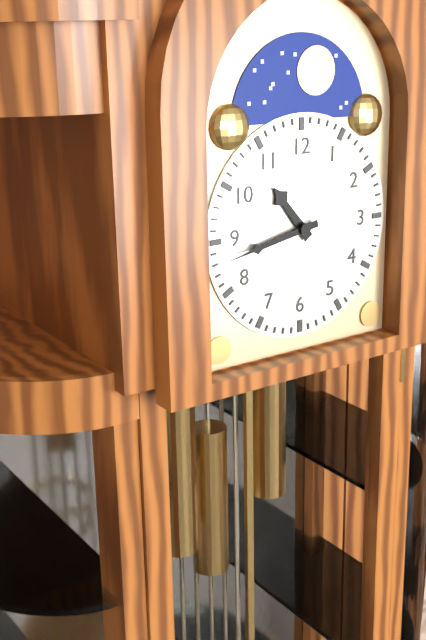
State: 10 h 43 min
